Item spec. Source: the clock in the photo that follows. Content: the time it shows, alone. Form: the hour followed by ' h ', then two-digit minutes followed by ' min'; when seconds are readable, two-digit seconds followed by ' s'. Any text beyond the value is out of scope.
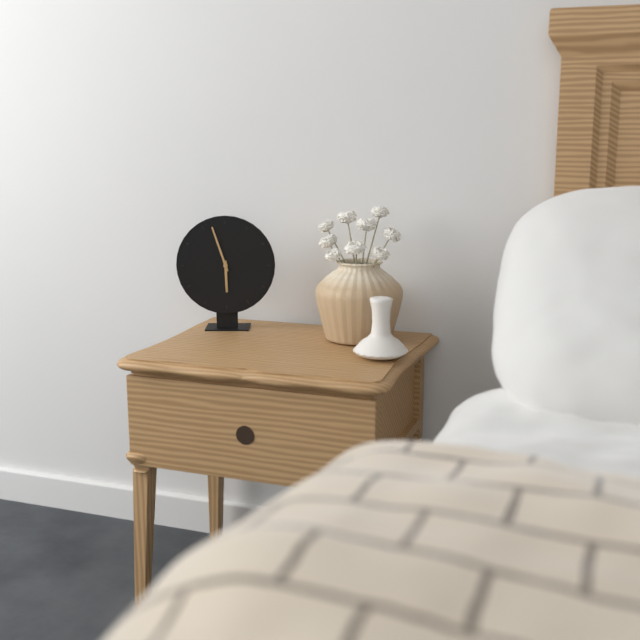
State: 5 h 57 min
